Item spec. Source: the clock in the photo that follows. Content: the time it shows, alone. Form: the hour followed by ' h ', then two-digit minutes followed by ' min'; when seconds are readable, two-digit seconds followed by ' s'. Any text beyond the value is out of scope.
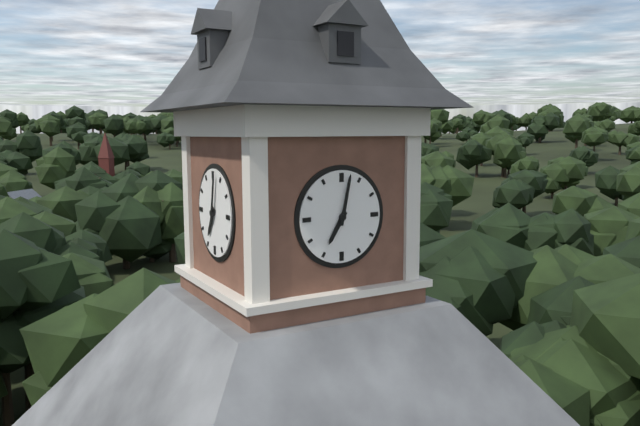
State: 7 h 02 min
